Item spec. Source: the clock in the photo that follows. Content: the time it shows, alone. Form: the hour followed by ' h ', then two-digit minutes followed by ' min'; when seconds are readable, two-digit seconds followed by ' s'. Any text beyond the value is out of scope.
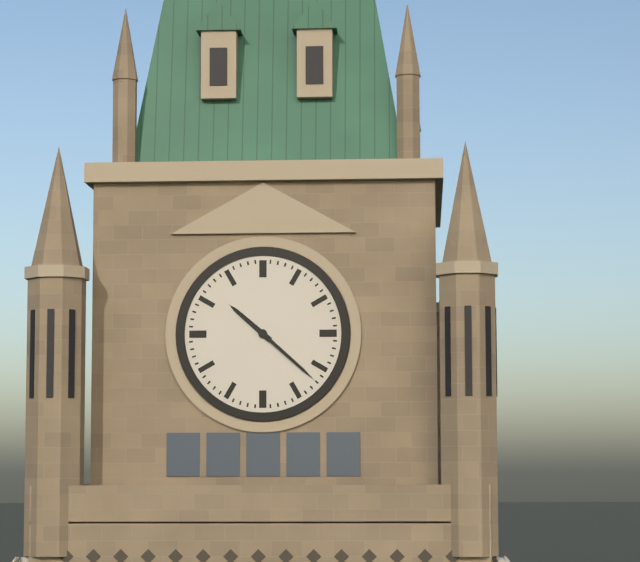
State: 10 h 22 min
